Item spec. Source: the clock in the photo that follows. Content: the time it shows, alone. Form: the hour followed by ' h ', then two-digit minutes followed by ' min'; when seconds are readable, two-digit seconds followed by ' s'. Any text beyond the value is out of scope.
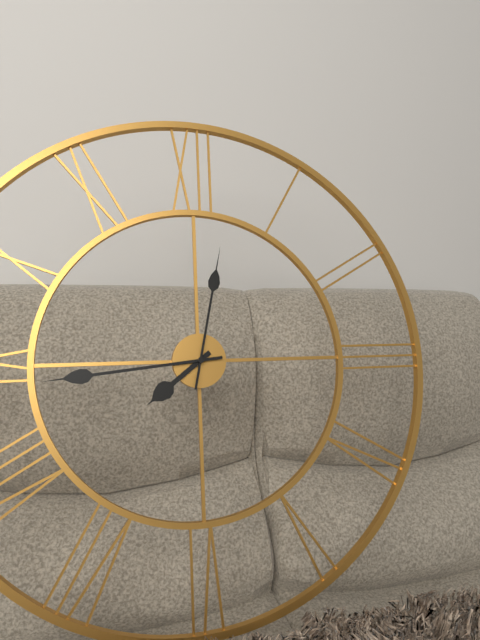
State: 7 h 44 min 02 s
